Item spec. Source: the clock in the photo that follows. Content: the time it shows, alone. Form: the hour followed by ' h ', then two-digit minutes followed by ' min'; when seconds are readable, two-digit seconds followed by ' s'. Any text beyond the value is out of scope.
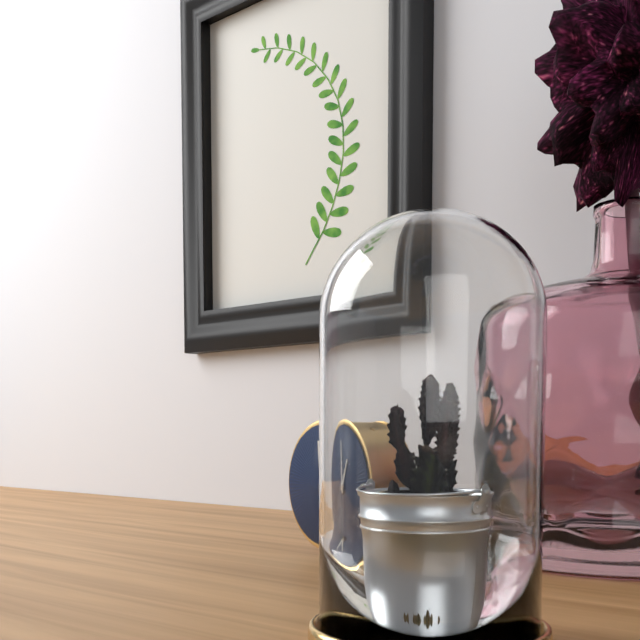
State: 12 h 59 min
